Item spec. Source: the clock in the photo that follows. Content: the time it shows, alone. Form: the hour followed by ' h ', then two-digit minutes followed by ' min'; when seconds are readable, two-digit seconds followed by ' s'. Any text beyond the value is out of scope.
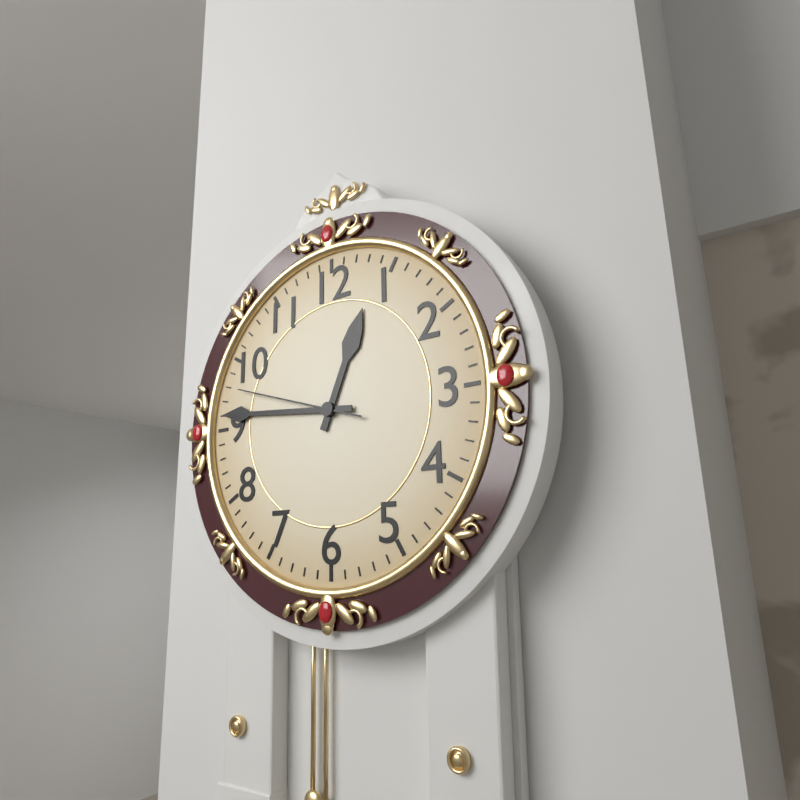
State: 12 h 46 min 48 s
